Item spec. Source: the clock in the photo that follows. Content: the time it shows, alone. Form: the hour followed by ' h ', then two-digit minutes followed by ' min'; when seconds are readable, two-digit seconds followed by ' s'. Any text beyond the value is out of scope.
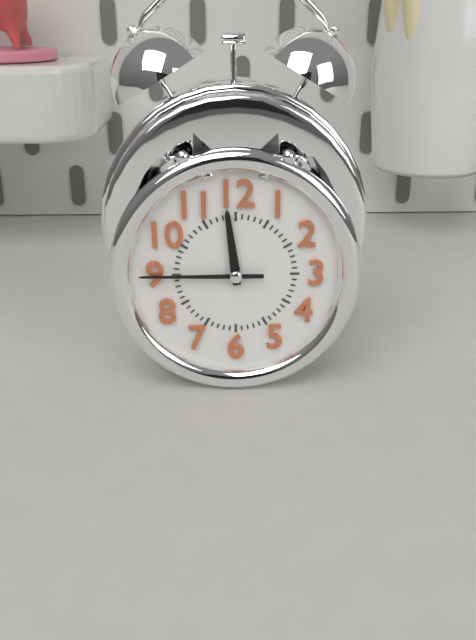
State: 11 h 45 min
